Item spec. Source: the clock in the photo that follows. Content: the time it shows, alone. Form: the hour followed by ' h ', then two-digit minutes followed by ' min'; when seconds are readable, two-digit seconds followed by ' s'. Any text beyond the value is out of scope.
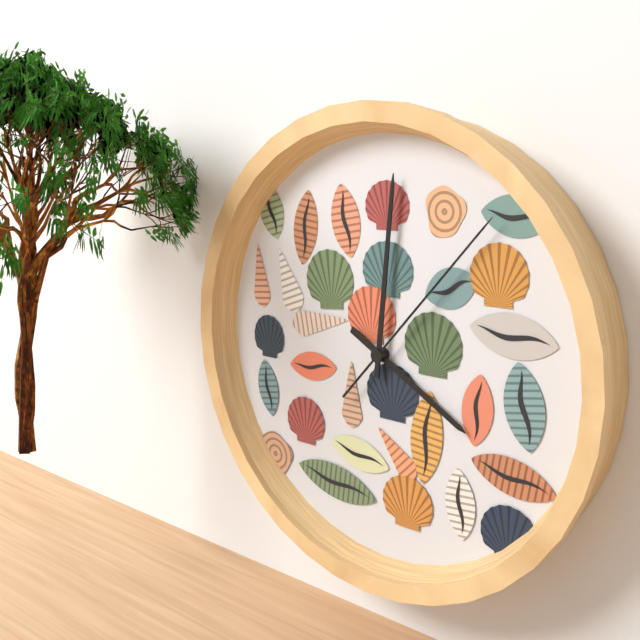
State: 4 h 01 min 07 s
